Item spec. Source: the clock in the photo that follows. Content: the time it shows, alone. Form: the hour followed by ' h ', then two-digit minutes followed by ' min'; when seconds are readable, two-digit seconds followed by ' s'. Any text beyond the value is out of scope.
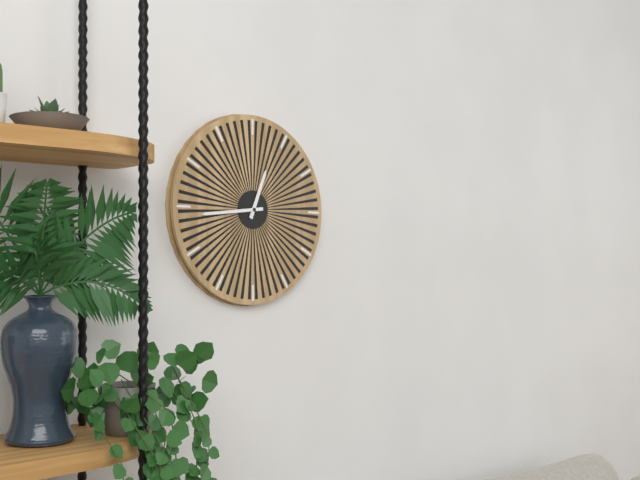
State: 12 h 44 min
